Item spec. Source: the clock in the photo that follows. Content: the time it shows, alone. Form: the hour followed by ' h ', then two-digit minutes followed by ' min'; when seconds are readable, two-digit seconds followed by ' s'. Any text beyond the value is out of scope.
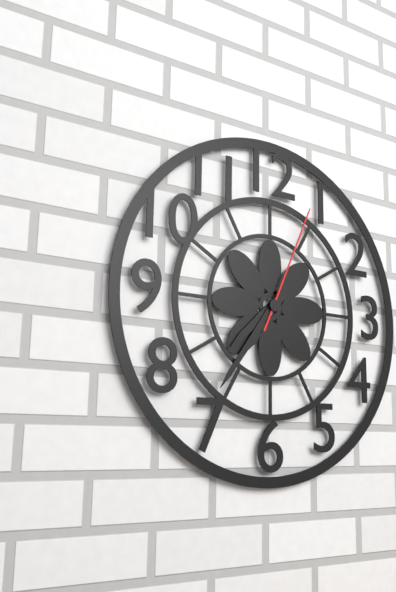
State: 7 h 36 min 04 s
